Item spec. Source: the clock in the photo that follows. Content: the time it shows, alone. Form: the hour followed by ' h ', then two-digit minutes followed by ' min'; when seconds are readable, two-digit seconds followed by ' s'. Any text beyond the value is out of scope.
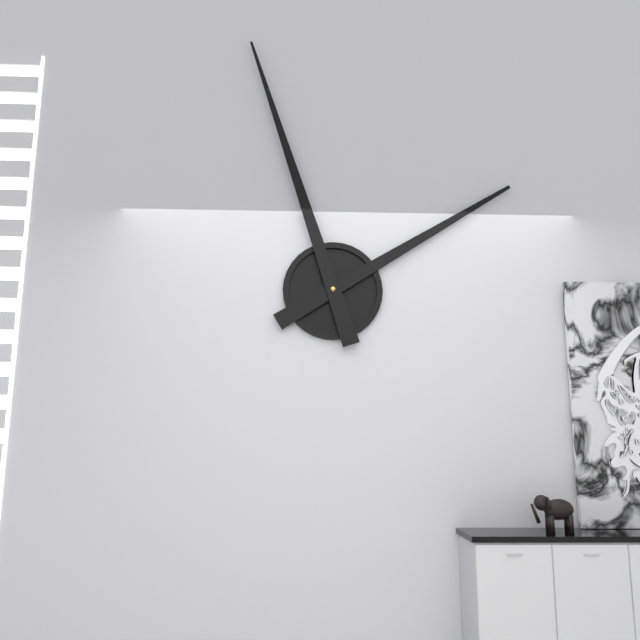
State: 1 h 57 min
